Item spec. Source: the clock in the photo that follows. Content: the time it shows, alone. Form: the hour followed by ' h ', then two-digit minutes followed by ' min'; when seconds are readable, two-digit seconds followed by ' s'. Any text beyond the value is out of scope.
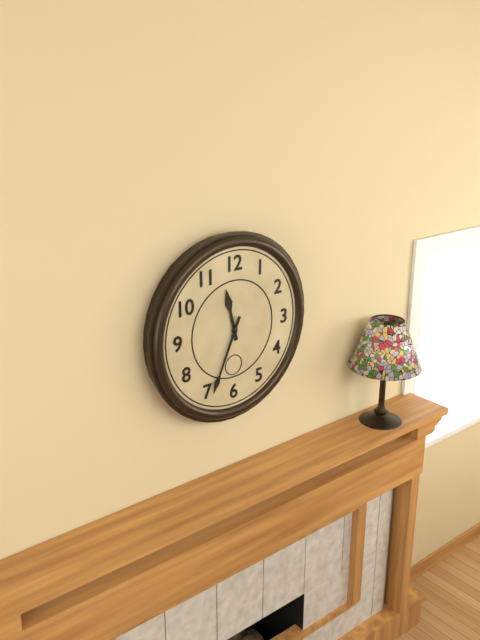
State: 11 h 34 min
